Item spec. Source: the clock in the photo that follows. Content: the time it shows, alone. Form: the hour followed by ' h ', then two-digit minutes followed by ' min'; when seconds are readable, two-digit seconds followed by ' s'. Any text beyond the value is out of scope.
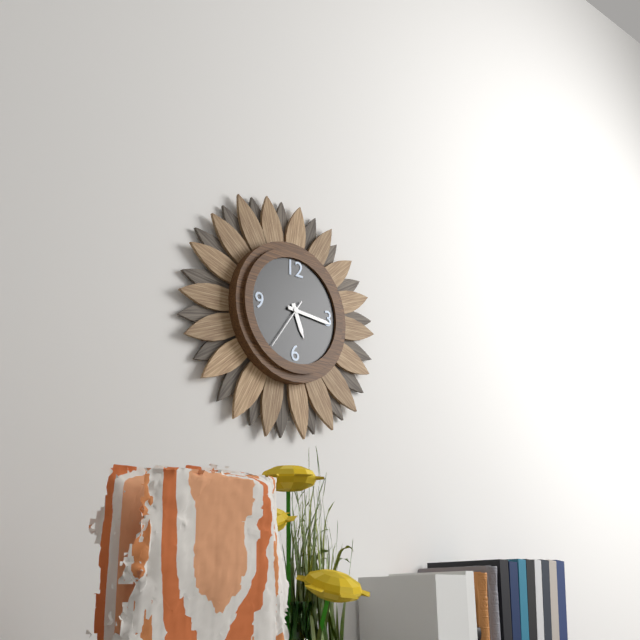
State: 5 h 16 min
